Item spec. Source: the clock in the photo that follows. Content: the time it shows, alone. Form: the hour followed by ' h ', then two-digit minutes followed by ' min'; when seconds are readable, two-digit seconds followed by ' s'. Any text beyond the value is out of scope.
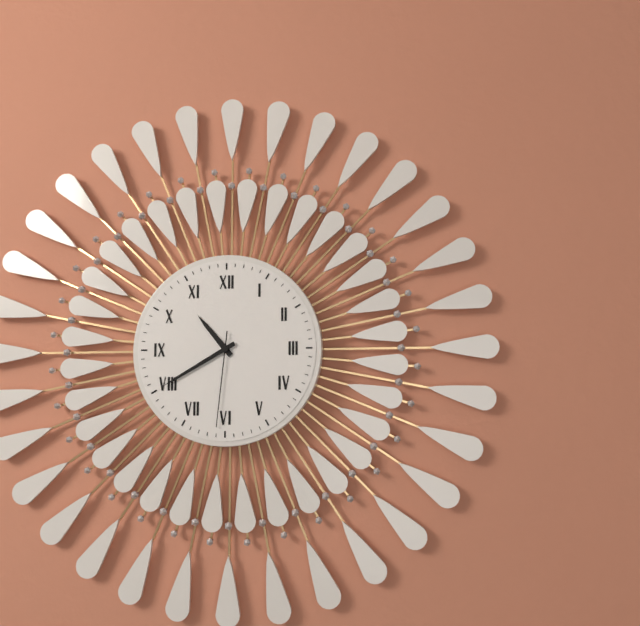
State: 10 h 40 min 31 s
